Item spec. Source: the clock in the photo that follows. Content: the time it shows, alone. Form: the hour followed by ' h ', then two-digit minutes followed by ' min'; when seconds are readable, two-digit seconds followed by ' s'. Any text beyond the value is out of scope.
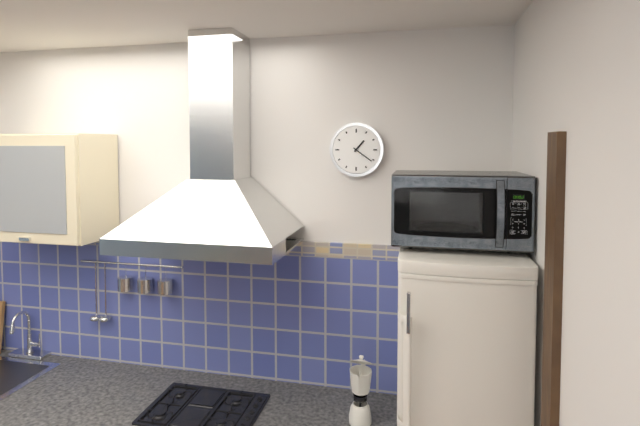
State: 1 h 21 min
